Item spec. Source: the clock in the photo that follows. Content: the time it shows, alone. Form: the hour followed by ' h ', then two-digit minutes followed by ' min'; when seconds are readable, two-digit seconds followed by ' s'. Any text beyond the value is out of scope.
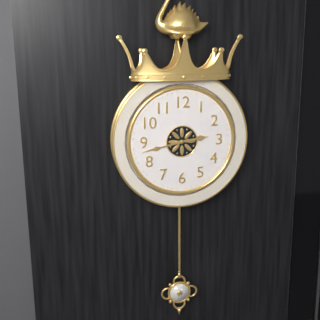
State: 2 h 43 min
